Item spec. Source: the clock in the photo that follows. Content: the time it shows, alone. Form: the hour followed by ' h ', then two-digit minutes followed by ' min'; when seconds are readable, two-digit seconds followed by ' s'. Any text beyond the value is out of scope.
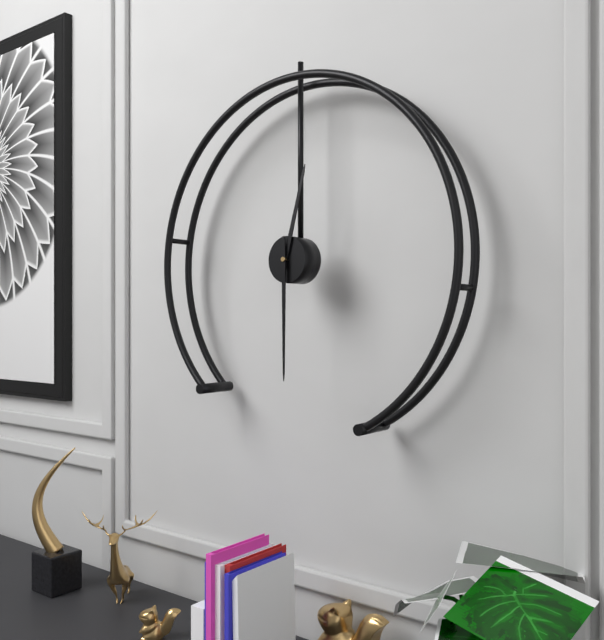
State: 12 h 30 min
